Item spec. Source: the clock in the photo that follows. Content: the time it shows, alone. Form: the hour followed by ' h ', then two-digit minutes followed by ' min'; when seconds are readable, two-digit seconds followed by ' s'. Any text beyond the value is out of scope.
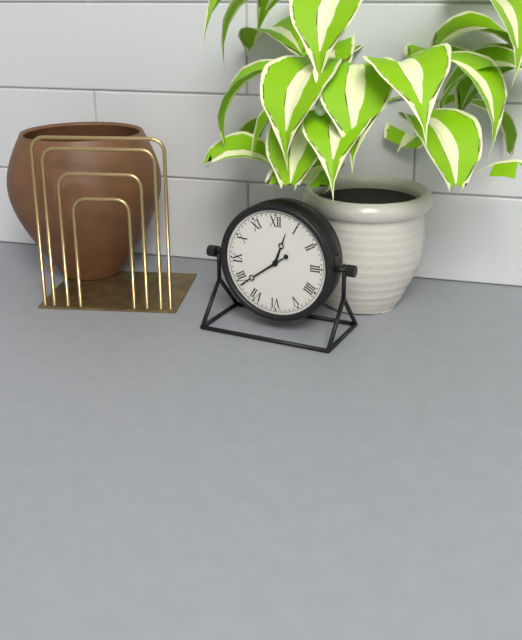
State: 12 h 39 min
